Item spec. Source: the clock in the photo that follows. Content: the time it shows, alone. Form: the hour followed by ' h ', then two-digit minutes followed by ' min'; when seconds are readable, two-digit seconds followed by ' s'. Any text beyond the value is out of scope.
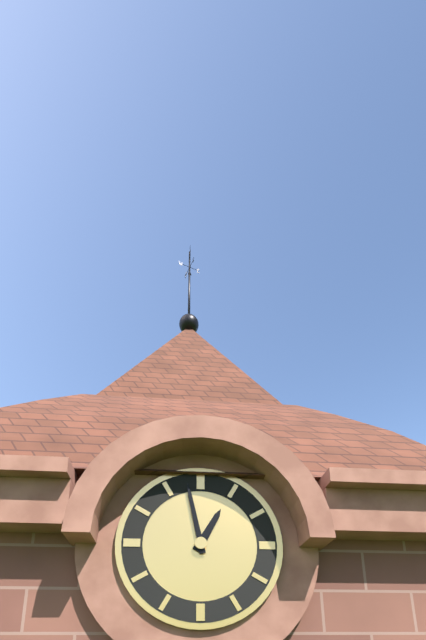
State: 12 h 58 min
